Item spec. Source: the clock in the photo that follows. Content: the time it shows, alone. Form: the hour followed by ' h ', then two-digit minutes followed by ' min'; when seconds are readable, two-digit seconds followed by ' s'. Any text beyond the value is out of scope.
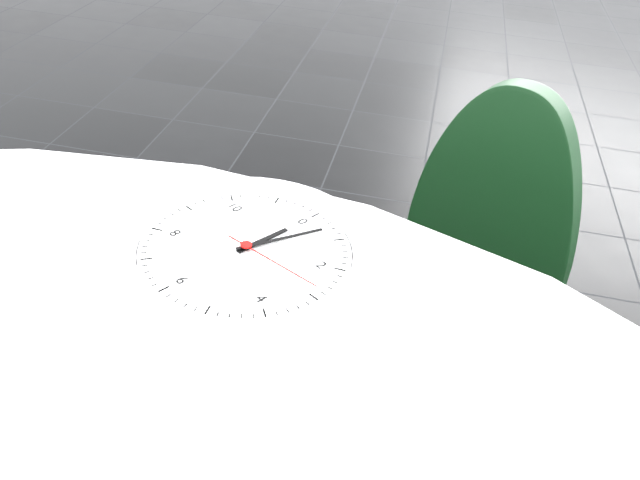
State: 12 h 03 min 14 s
